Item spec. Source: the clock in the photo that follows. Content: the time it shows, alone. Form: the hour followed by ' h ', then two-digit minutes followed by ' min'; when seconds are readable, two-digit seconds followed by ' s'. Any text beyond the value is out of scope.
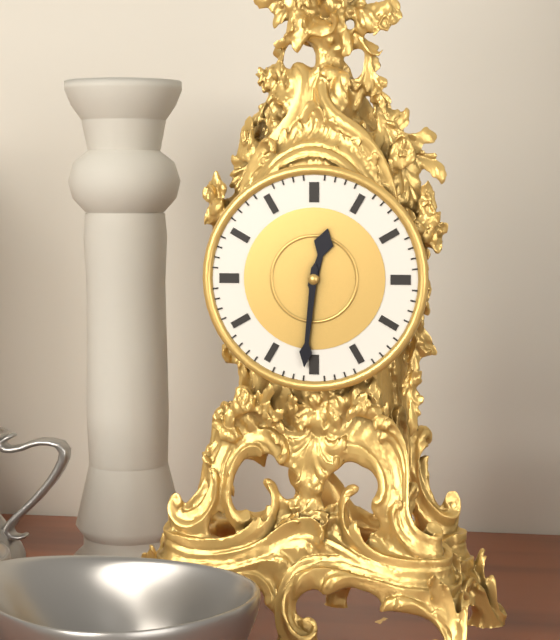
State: 12 h 31 min
